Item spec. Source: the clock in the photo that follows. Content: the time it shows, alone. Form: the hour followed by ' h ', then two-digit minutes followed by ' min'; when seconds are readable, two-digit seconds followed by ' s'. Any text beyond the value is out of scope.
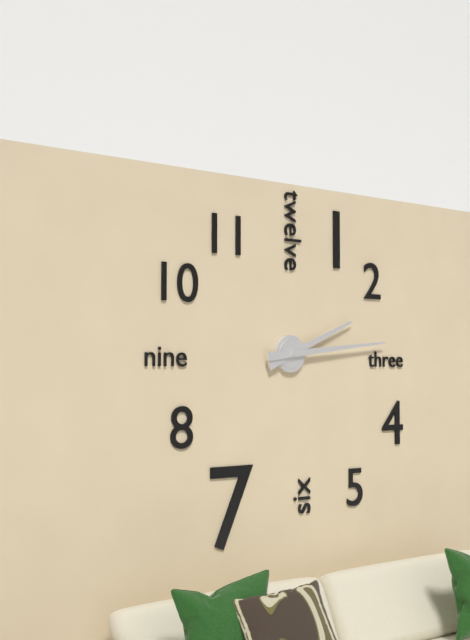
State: 2 h 14 min
